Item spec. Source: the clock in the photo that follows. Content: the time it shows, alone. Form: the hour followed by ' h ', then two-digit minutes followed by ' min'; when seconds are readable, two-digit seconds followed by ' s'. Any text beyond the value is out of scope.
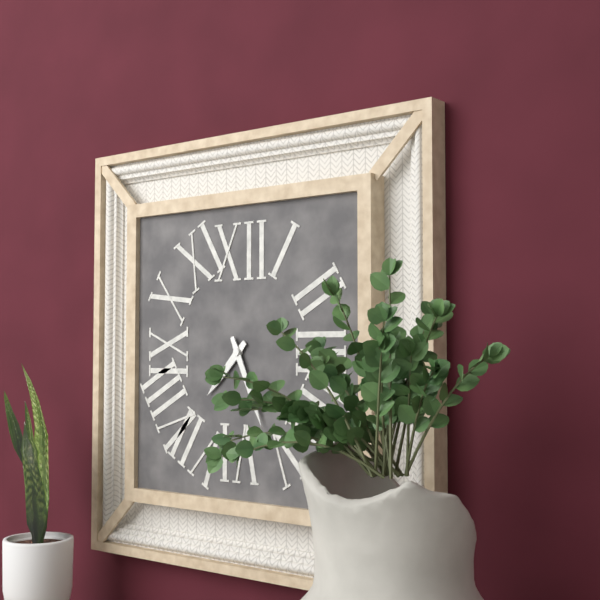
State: 7 h 26 min
